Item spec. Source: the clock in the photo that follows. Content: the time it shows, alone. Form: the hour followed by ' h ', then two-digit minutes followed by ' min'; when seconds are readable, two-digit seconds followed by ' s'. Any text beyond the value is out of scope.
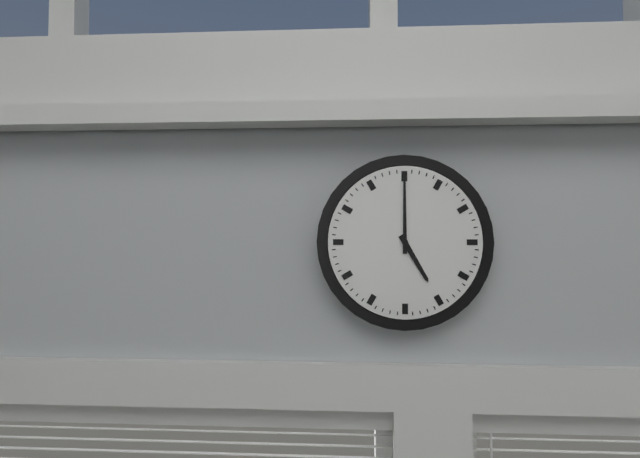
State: 5 h 00 min
